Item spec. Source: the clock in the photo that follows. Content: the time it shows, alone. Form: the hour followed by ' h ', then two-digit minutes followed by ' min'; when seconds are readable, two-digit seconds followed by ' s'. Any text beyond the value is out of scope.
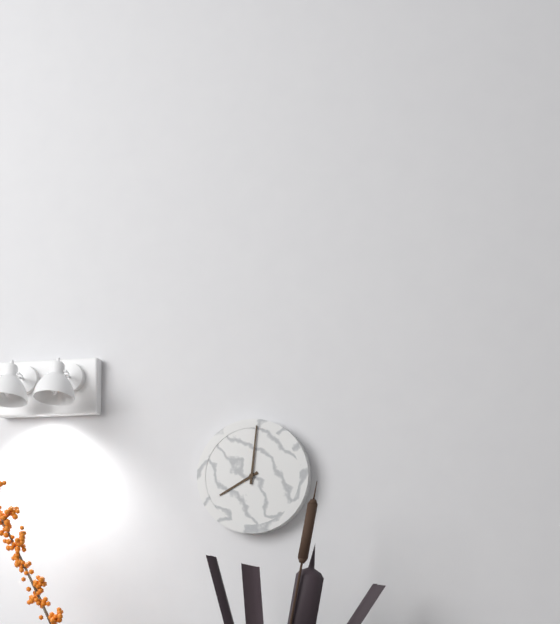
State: 8 h 01 min
